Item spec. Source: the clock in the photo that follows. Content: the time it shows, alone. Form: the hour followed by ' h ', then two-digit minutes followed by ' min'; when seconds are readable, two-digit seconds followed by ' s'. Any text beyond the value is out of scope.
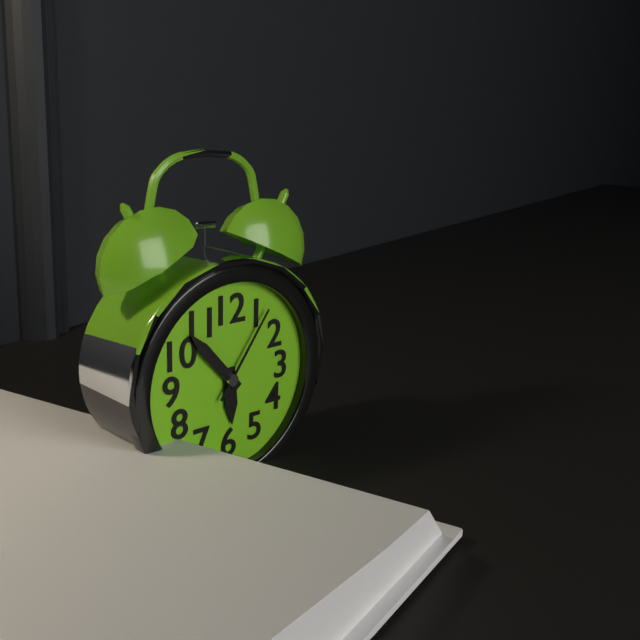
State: 5 h 53 min 06 s
